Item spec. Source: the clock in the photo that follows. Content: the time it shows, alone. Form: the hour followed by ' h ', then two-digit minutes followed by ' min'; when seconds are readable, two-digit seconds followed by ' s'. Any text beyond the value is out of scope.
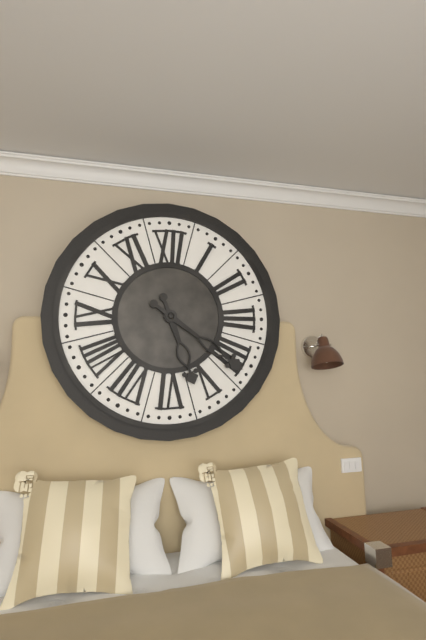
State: 5 h 21 min
